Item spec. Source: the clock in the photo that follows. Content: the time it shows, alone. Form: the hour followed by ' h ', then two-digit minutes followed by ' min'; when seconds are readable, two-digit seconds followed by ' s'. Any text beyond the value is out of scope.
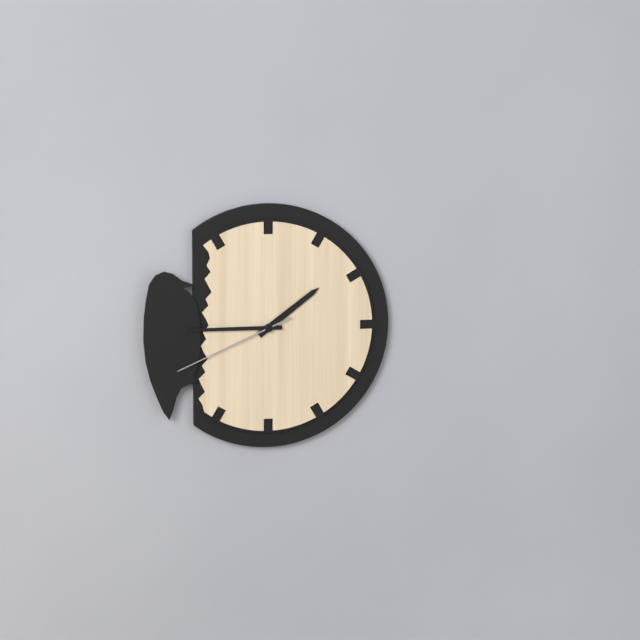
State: 1 h 45 min 41 s
